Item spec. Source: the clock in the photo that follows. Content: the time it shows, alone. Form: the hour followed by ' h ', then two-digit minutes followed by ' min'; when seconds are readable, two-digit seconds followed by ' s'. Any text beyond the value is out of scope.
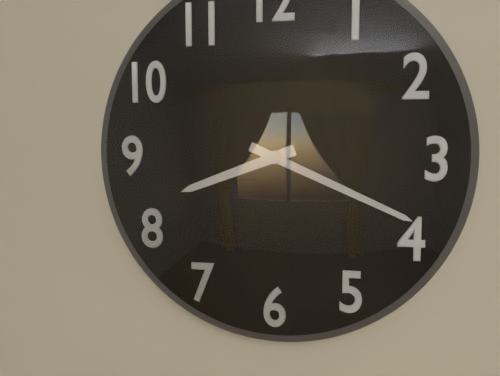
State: 8 h 19 min
